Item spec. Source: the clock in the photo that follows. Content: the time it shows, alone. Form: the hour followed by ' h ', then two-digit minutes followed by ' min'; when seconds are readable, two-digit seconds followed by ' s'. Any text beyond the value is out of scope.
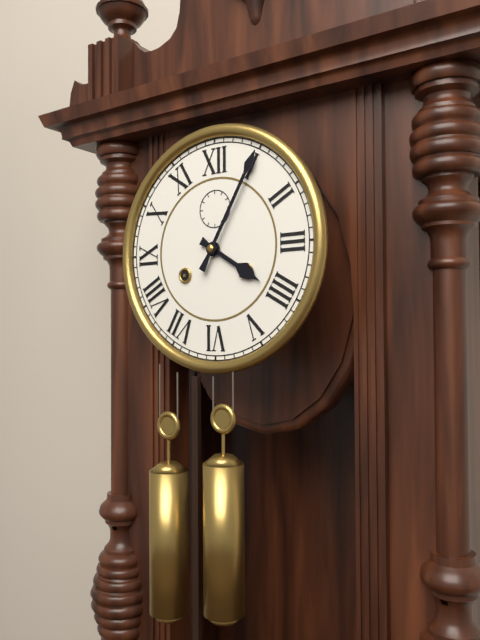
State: 4 h 05 min
